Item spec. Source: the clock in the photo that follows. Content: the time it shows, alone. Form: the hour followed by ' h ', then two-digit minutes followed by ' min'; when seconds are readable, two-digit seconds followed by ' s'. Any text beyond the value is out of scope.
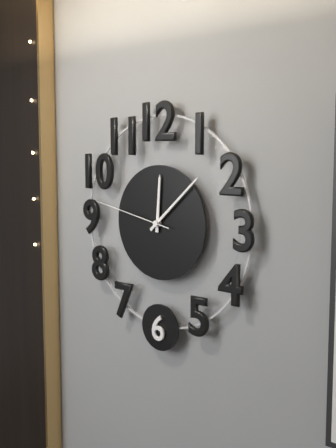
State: 12 h 08 min 47 s
